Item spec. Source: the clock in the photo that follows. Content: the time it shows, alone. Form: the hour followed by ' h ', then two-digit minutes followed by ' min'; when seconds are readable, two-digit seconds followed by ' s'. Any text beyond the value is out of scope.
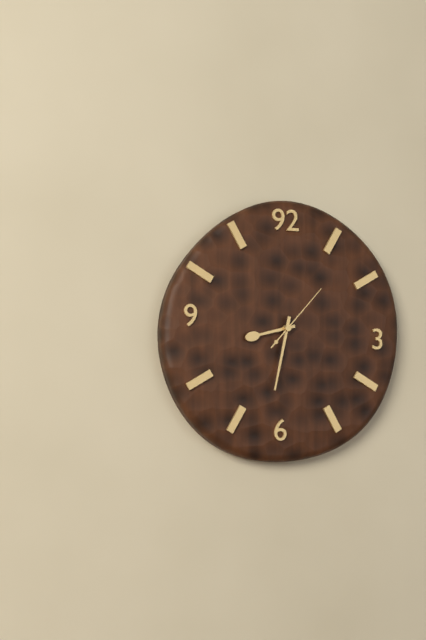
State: 8 h 32 min 07 s
